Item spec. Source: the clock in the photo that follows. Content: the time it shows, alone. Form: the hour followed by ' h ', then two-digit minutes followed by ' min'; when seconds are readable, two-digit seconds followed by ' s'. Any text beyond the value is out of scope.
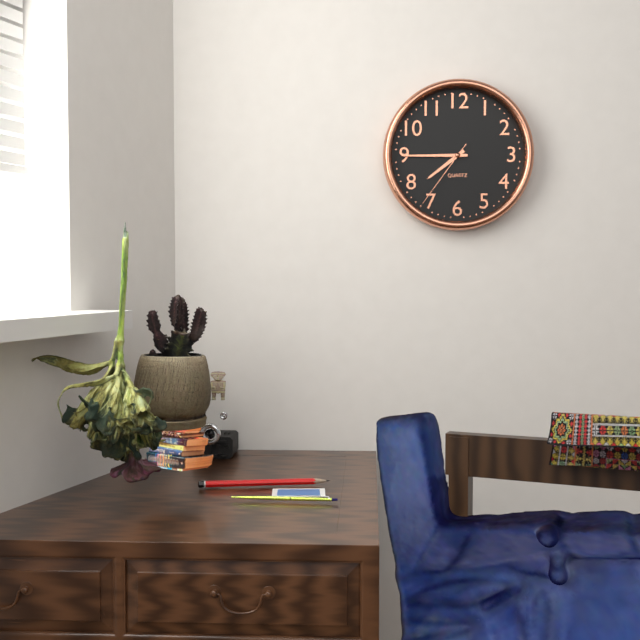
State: 7 h 45 min 36 s
